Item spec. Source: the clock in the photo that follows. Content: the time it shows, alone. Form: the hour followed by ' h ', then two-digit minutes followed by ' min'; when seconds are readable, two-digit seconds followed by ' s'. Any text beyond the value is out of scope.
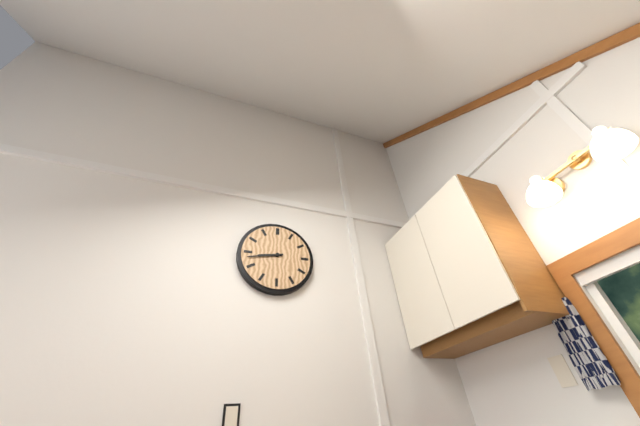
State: 8 h 43 min
